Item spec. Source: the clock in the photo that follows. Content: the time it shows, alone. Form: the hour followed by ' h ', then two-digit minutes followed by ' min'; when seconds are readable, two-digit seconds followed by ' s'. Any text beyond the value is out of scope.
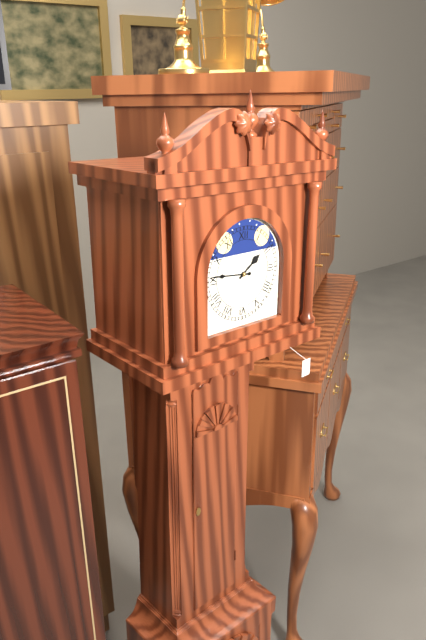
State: 1 h 46 min
